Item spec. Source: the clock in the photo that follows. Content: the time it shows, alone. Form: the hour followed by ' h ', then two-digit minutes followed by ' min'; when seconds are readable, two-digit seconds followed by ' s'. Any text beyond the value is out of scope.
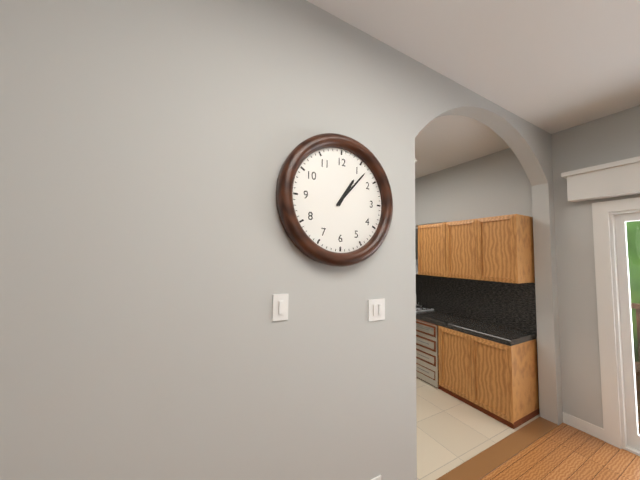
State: 1 h 07 min
